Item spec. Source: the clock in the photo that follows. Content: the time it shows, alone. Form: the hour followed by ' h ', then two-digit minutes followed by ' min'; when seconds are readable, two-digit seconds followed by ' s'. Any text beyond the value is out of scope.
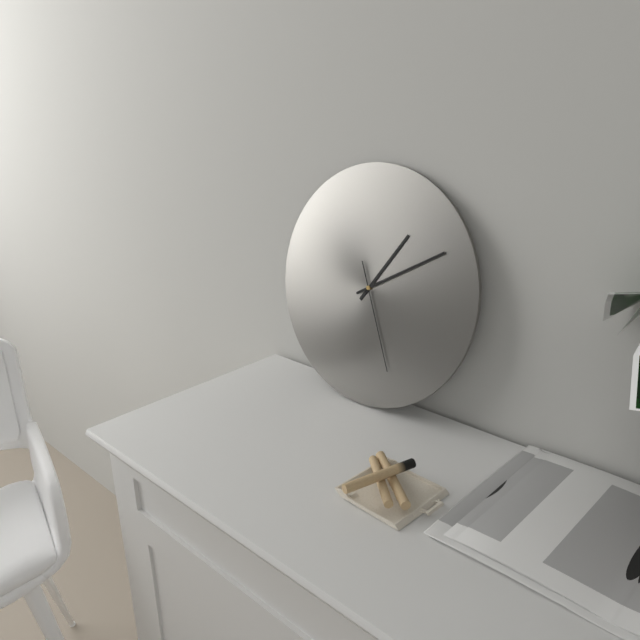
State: 1 h 10 min 26 s
